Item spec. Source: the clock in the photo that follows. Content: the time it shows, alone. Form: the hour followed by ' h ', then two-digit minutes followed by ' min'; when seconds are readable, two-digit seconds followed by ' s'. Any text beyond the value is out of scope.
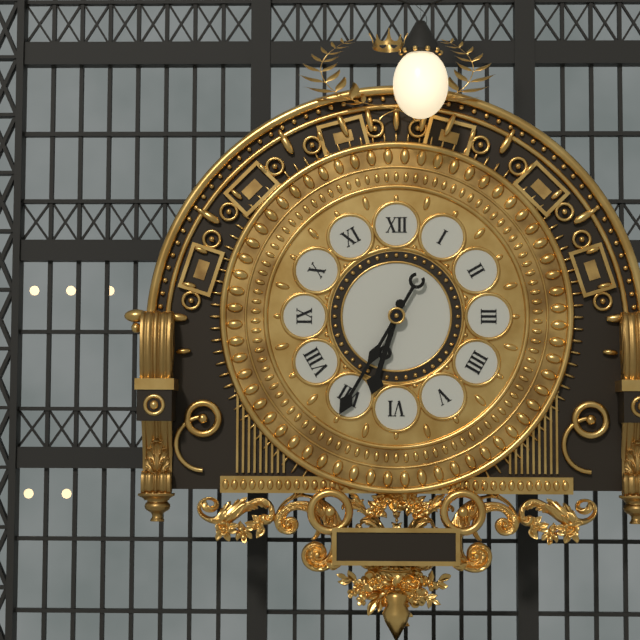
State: 6 h 35 min
